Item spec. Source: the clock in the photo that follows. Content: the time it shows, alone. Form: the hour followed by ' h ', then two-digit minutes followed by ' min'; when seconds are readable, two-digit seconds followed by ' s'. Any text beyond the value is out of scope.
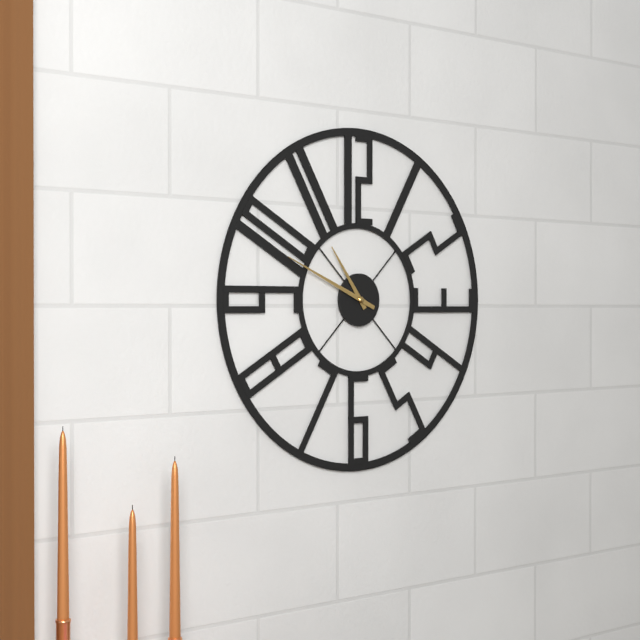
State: 10 h 49 min
